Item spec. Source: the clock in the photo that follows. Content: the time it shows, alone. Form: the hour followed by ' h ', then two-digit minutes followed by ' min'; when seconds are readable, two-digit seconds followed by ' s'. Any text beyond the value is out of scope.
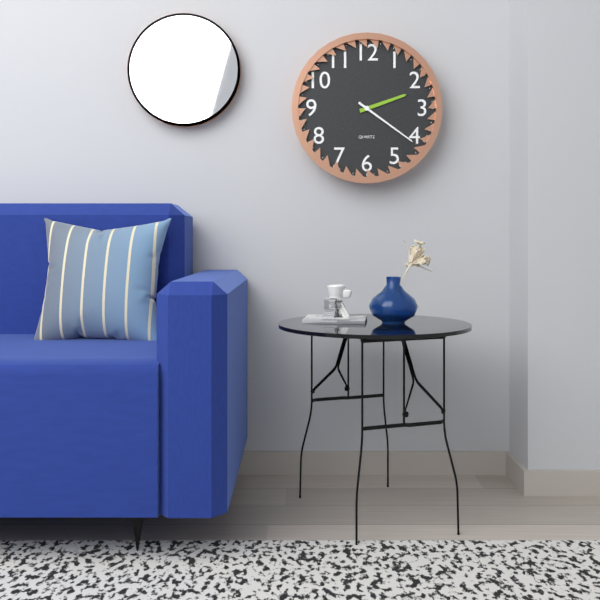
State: 2 h 21 min
